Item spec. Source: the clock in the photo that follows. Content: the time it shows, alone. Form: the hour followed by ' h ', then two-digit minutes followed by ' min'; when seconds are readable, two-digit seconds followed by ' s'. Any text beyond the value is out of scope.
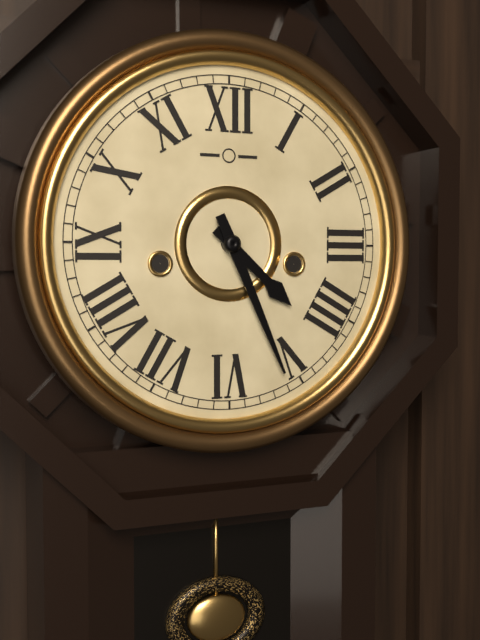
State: 4 h 26 min
